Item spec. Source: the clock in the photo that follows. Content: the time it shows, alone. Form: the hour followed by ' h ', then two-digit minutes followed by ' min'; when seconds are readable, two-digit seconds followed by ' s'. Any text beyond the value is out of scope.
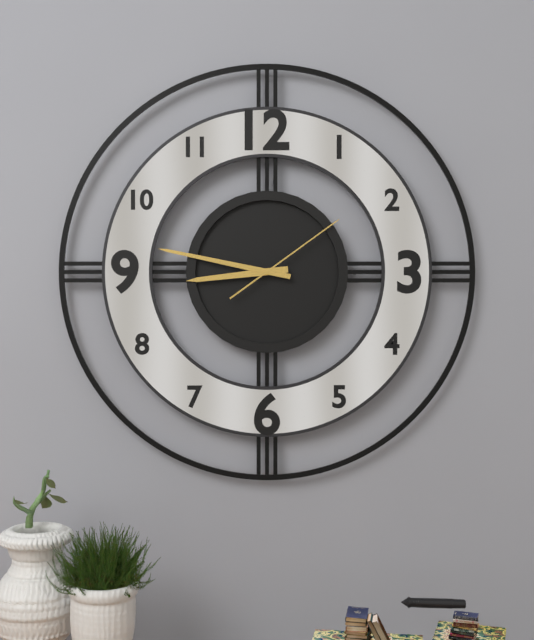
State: 8 h 47 min 09 s
